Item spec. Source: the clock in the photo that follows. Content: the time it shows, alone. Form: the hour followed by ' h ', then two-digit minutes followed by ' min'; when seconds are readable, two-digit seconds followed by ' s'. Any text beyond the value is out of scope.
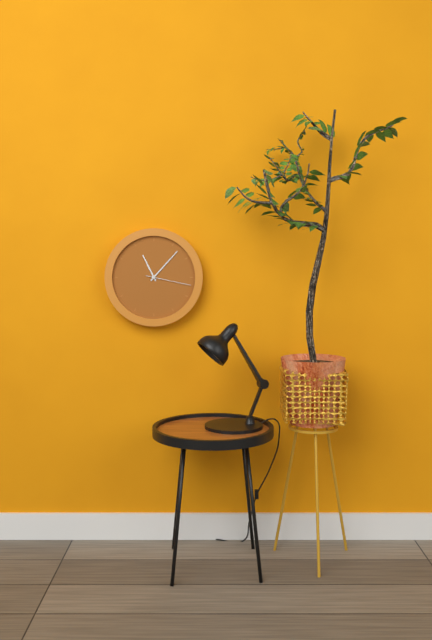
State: 11 h 07 min
